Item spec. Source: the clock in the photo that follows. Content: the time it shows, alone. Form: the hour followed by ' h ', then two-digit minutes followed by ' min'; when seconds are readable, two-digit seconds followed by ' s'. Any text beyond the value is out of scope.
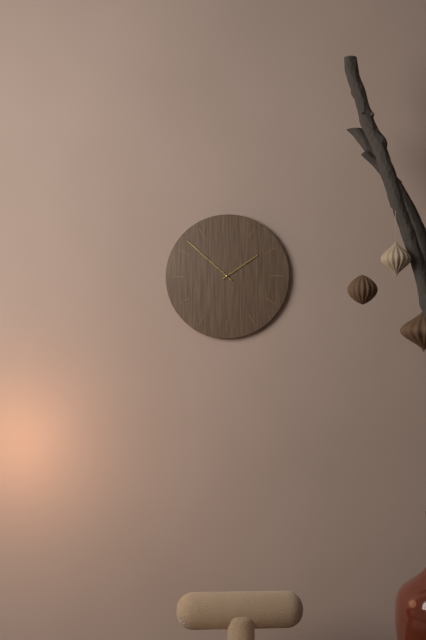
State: 1 h 52 min
